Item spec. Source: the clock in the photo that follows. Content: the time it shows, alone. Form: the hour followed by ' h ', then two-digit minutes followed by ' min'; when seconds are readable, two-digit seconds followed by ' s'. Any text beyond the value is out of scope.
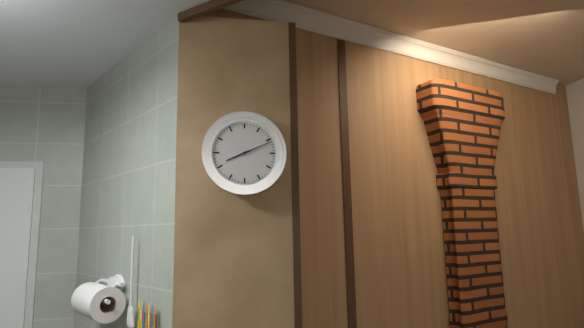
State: 8 h 11 min
